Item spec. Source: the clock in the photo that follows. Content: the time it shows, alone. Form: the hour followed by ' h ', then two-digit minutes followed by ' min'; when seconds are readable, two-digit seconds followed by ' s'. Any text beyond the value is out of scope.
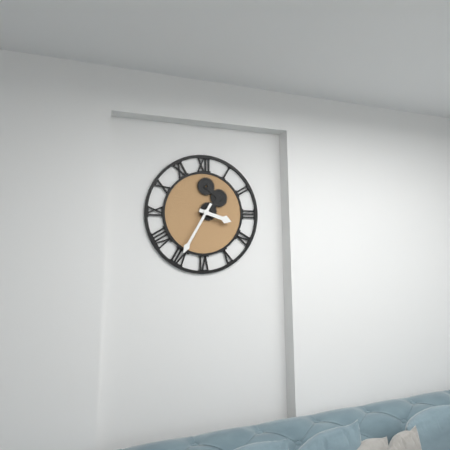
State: 3 h 35 min
